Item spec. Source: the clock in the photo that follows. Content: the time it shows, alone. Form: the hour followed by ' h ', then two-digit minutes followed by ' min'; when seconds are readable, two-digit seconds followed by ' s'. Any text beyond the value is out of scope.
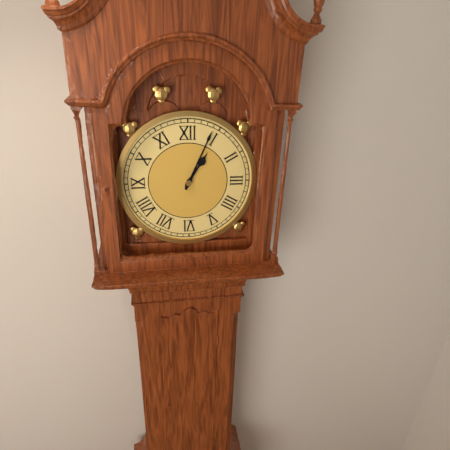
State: 1 h 04 min
